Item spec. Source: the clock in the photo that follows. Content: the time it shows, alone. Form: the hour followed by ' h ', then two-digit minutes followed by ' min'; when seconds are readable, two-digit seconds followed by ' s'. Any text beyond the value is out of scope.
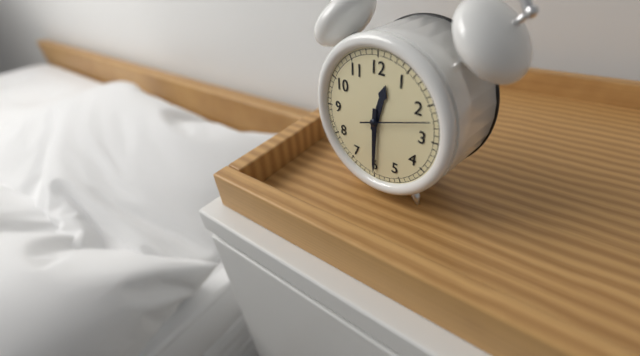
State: 12 h 30 min 12 s
